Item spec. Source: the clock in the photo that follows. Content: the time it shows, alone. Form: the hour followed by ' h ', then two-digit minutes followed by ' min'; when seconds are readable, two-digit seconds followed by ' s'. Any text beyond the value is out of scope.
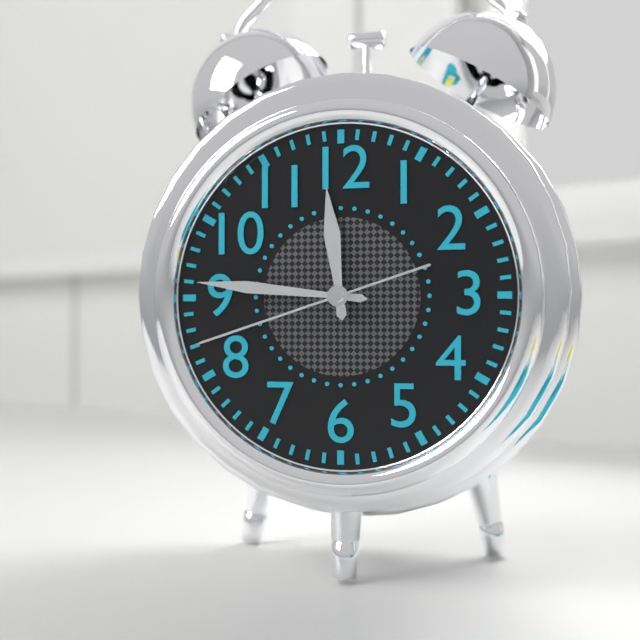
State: 11 h 46 min 42 s
